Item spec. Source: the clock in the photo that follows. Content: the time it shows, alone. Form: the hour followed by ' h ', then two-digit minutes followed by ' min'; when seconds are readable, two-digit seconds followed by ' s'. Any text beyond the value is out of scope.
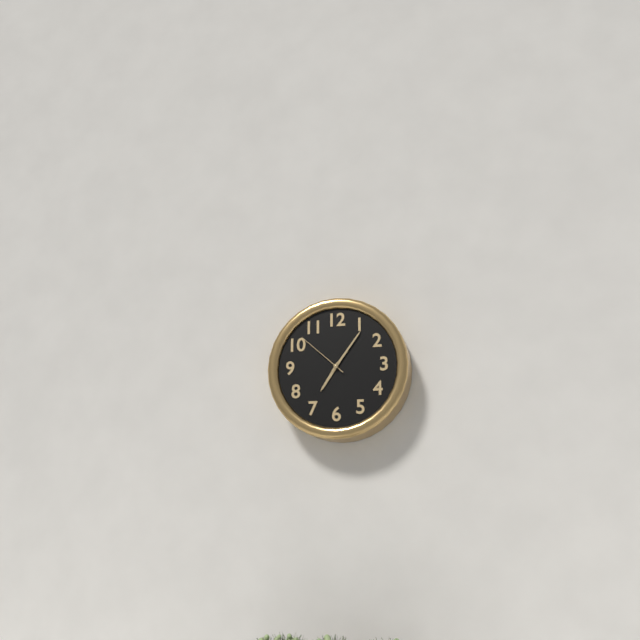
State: 7 h 06 min 52 s
